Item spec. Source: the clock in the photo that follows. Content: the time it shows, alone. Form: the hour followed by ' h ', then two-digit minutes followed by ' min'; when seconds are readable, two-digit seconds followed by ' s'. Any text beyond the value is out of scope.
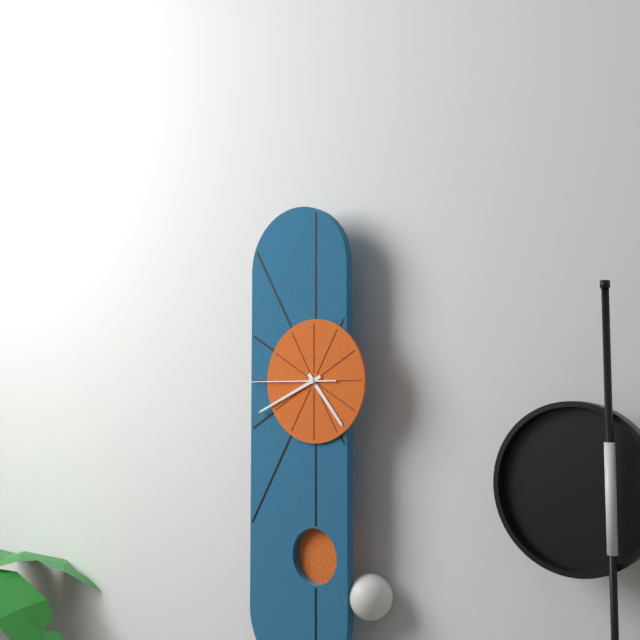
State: 4 h 41 min 45 s
